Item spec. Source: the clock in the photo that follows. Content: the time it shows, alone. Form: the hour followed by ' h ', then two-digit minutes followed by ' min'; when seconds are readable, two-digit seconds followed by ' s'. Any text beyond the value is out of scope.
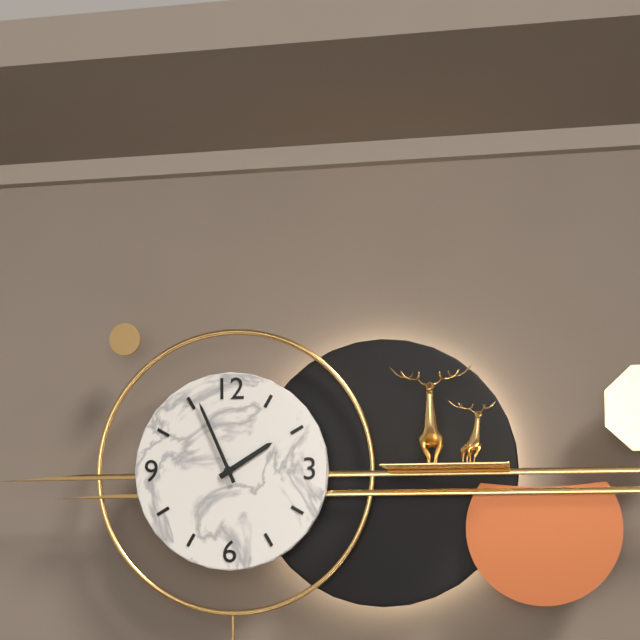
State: 1 h 56 min
